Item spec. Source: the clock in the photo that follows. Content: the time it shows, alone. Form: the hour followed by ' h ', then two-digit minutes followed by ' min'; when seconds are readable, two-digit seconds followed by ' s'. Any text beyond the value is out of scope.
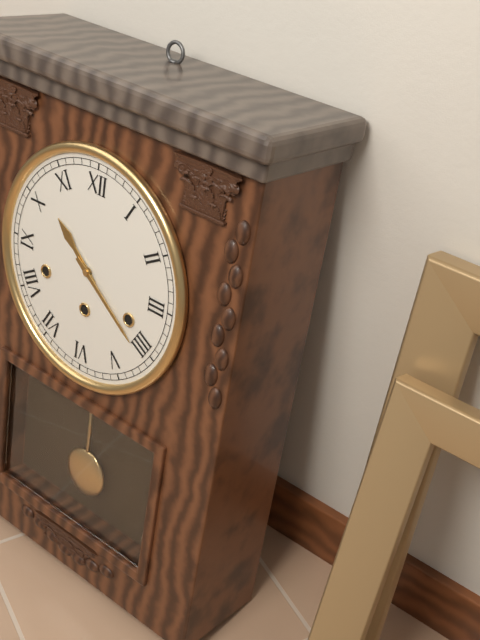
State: 10 h 21 min
